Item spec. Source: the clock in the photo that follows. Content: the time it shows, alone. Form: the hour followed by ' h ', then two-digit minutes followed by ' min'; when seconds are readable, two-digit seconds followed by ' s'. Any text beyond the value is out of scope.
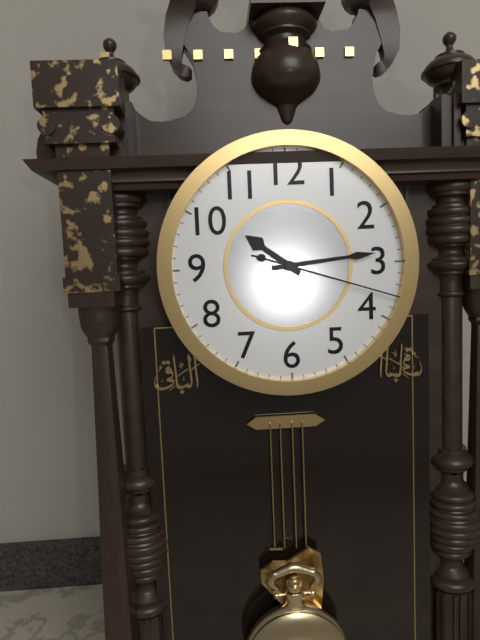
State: 10 h 14 min 18 s
